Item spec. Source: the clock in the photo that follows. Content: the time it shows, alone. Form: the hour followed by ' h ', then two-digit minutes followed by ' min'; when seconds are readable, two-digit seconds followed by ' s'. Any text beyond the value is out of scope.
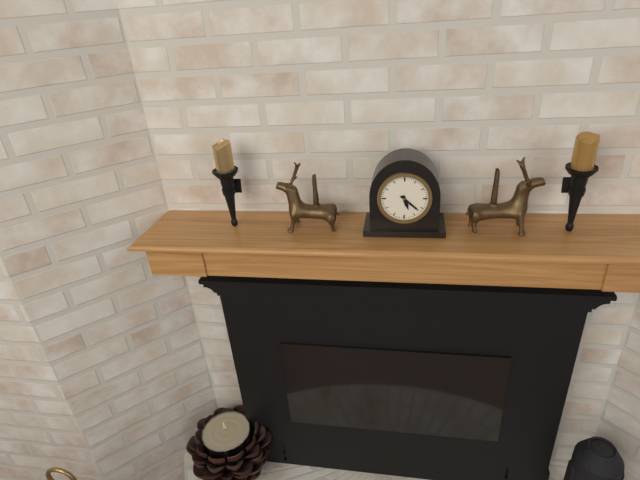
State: 5 h 22 min
